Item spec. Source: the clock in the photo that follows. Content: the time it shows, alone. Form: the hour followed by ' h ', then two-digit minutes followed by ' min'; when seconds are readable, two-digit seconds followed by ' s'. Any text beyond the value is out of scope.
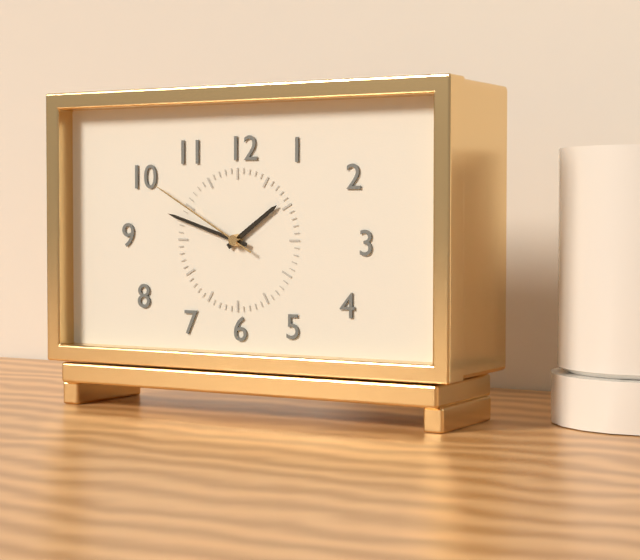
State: 1 h 48 min 50 s
